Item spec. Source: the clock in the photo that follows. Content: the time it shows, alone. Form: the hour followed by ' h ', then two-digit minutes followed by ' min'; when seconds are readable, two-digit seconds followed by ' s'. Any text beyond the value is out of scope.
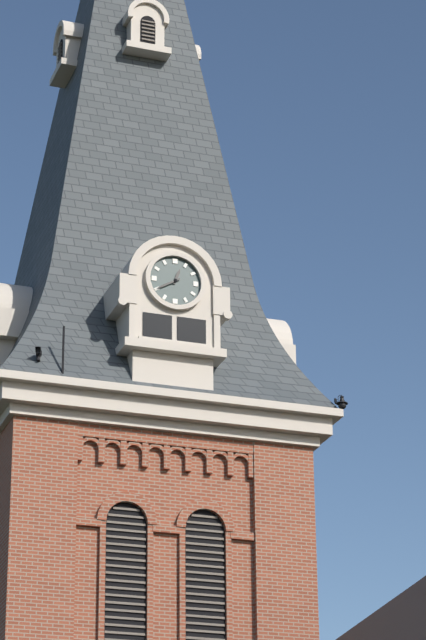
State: 12 h 40 min
